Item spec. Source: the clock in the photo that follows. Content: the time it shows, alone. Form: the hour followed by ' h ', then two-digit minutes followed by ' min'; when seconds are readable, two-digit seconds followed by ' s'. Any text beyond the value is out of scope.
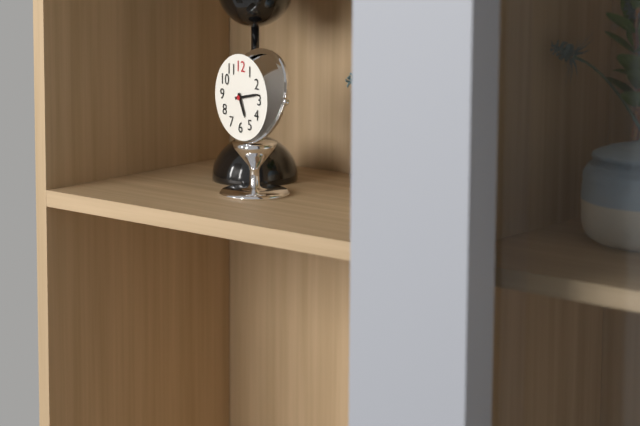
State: 5 h 13 min
